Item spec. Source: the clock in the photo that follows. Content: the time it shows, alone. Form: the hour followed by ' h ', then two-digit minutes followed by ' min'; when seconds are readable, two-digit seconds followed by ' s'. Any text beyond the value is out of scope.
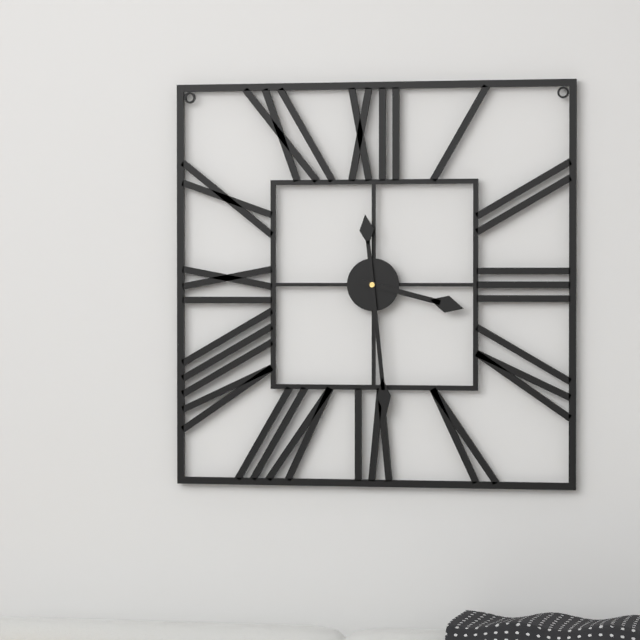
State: 3 h 29 min
